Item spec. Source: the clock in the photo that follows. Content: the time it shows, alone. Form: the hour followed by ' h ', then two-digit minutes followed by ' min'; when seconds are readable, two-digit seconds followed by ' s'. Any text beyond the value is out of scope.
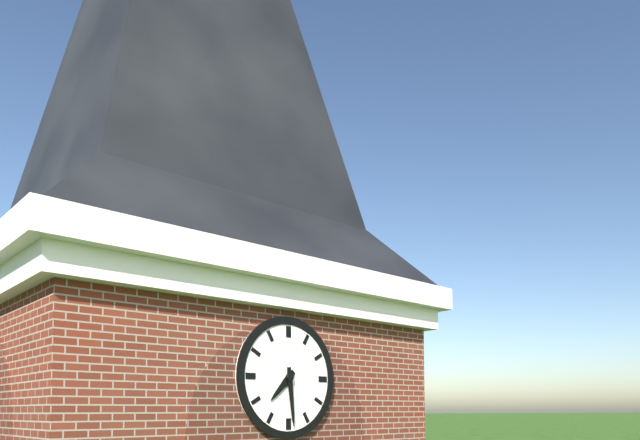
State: 7 h 29 min
